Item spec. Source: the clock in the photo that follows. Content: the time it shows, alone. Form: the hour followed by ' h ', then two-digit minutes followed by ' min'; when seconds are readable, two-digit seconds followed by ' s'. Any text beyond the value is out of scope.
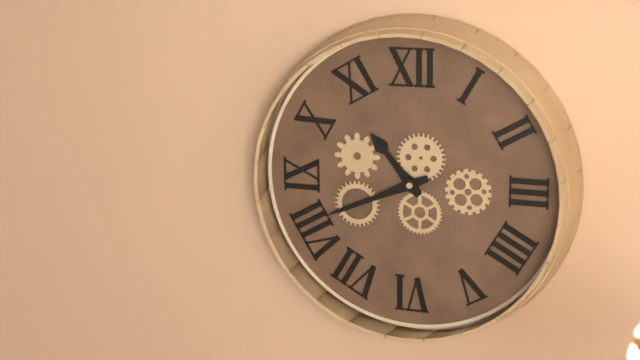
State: 10 h 41 min
